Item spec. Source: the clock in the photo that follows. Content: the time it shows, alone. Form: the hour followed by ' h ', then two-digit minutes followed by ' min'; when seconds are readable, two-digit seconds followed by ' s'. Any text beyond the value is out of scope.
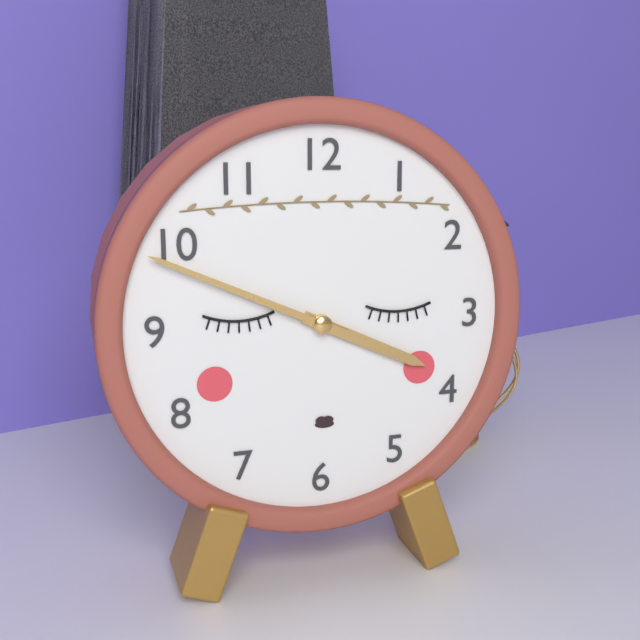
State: 3 h 49 min
